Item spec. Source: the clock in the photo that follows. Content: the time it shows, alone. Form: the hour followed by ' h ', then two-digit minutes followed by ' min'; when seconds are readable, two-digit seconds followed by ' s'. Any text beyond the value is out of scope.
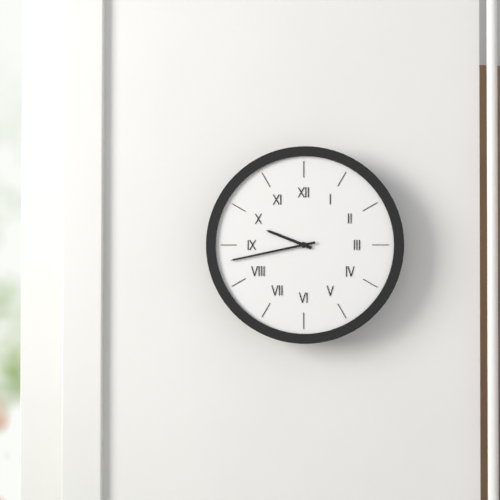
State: 9 h 43 min
